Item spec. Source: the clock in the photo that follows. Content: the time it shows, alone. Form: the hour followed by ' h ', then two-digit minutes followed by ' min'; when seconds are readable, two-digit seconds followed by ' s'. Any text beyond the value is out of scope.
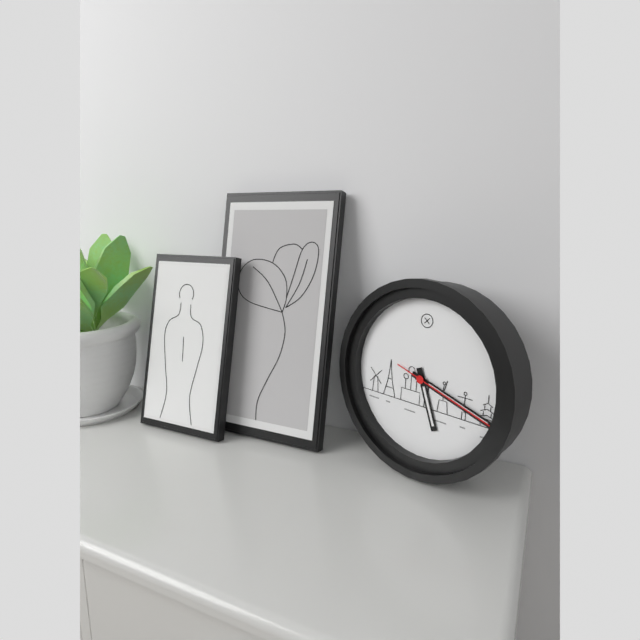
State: 5 h 18 min 18 s
